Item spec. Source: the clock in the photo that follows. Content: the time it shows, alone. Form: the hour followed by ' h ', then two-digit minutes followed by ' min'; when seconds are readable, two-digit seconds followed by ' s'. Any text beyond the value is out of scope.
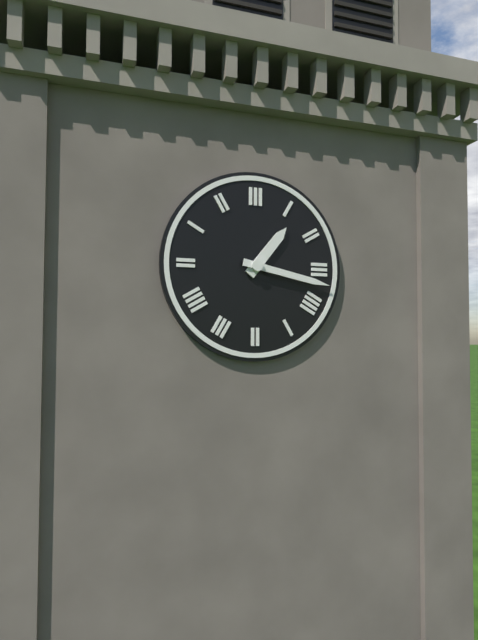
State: 1 h 17 min
